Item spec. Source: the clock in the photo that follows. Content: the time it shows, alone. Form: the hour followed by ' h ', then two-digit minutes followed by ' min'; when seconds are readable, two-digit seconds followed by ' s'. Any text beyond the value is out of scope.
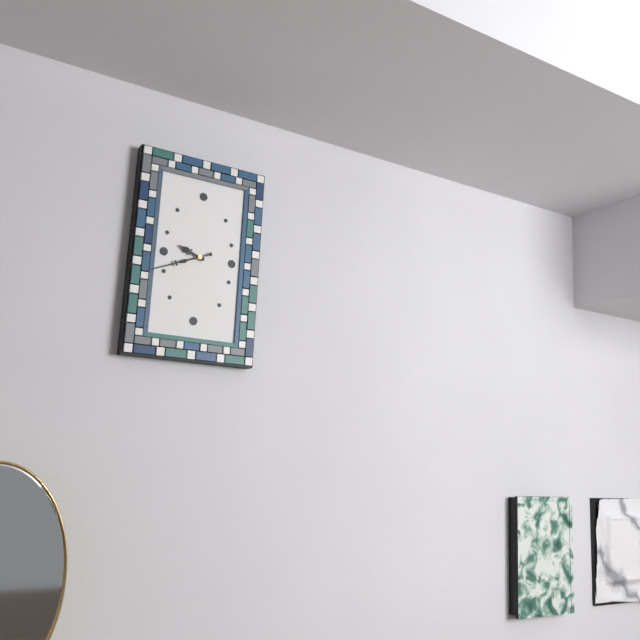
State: 9 h 41 min
